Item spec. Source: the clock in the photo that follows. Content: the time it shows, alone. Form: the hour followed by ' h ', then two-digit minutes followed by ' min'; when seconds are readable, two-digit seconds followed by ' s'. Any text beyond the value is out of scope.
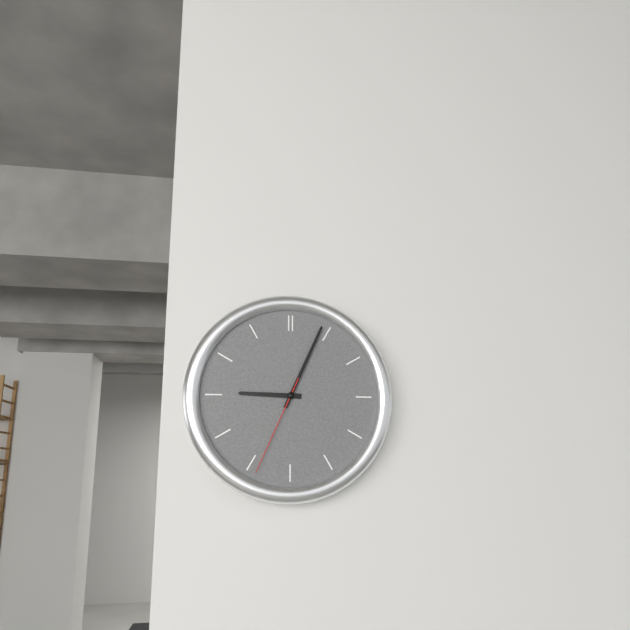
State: 9 h 04 min 34 s
